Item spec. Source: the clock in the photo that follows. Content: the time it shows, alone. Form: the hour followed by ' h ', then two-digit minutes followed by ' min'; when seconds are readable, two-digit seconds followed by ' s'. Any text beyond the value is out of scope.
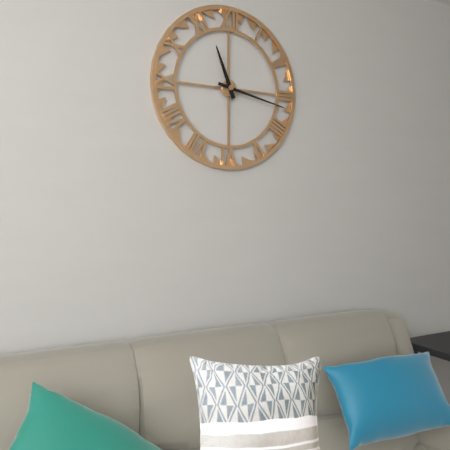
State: 11 h 17 min
